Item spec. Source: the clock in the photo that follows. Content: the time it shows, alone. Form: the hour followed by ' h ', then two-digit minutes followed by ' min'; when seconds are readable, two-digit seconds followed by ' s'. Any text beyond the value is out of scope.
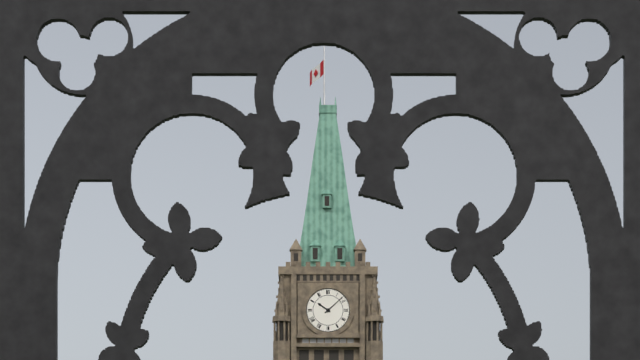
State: 10 h 08 min
